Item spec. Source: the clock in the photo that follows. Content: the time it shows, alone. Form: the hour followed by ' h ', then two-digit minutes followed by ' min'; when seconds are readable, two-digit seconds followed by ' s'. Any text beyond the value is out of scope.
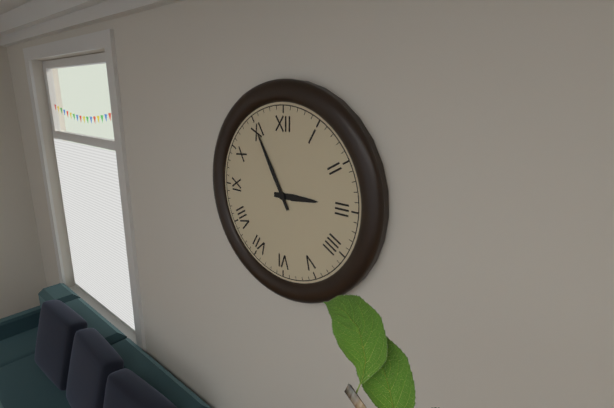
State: 2 h 55 min
